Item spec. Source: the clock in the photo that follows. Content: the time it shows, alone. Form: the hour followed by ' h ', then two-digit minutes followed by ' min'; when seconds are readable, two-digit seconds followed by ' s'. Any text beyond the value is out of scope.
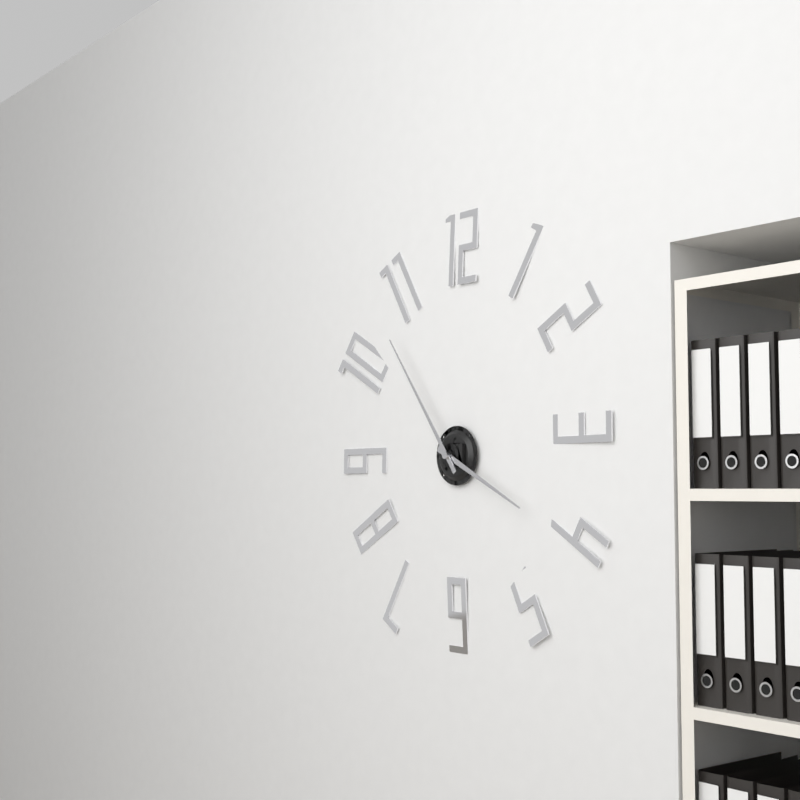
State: 3 h 54 min
